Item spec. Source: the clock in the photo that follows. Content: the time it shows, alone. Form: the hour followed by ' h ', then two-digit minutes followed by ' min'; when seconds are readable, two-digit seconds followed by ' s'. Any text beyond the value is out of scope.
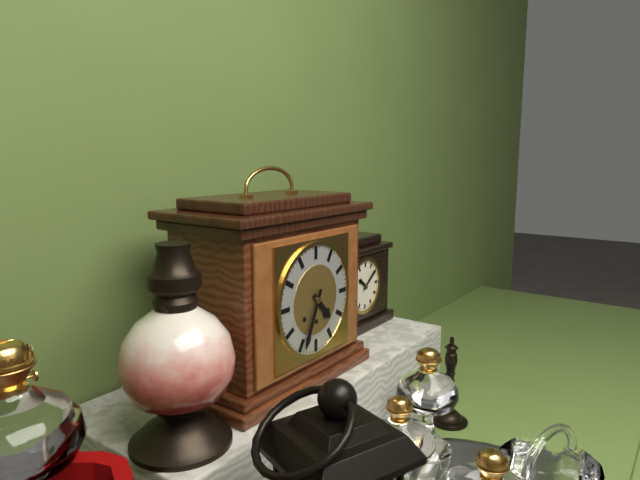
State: 4 h 34 min
